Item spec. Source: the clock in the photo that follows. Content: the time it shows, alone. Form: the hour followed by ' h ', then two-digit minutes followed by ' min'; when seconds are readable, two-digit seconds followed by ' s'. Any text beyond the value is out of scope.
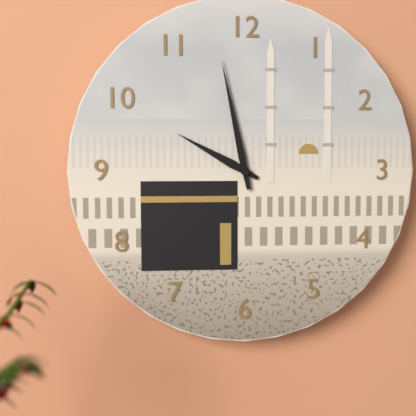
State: 9 h 58 min
